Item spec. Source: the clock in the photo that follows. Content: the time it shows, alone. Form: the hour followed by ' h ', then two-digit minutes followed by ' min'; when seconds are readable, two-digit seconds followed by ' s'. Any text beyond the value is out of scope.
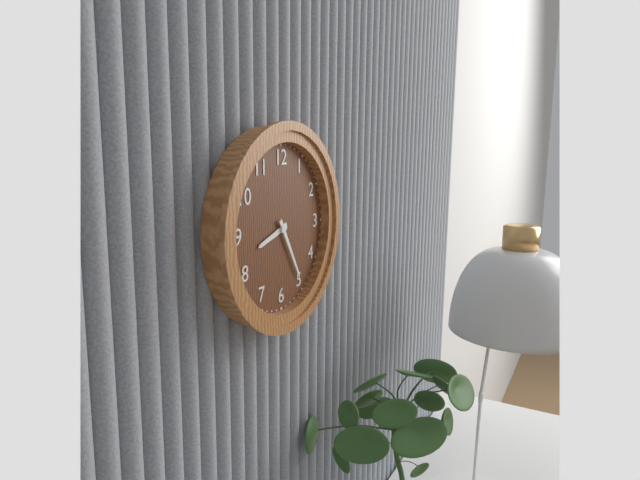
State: 8 h 25 min
